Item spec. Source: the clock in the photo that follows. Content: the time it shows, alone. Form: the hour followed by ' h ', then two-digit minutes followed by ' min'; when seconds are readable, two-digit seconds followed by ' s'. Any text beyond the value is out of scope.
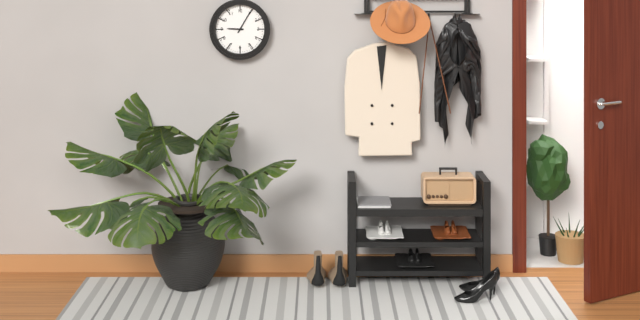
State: 9 h 05 min
